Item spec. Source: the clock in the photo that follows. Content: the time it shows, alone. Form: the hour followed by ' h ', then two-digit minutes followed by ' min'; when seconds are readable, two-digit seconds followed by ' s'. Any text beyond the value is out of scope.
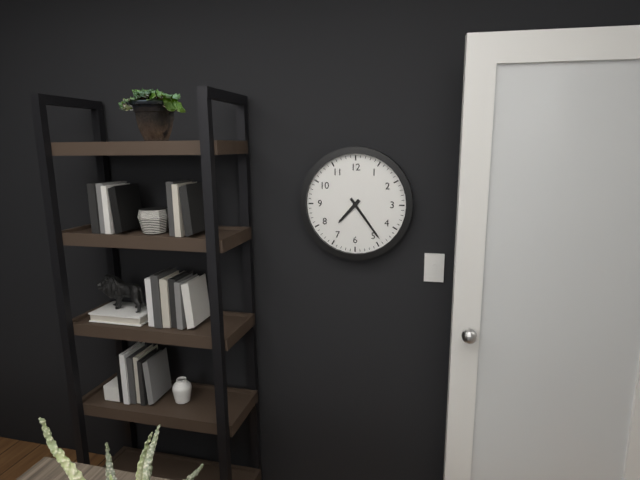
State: 7 h 24 min
